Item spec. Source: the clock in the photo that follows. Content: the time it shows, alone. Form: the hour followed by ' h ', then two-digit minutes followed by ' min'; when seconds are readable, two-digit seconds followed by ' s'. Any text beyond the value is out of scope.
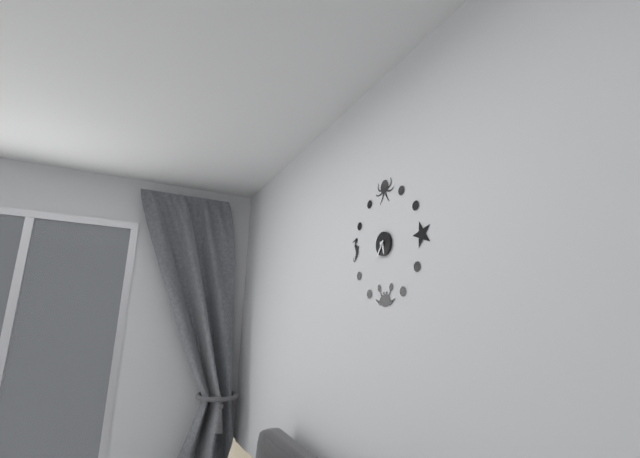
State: 5 h 36 min
